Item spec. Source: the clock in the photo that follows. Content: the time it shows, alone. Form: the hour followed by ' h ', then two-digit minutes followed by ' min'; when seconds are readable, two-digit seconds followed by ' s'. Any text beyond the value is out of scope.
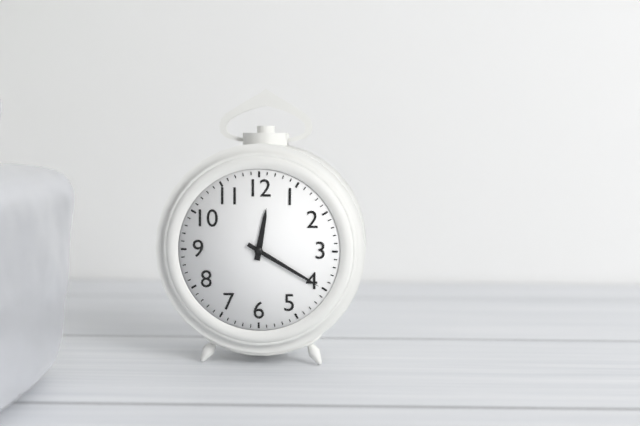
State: 12 h 20 min
